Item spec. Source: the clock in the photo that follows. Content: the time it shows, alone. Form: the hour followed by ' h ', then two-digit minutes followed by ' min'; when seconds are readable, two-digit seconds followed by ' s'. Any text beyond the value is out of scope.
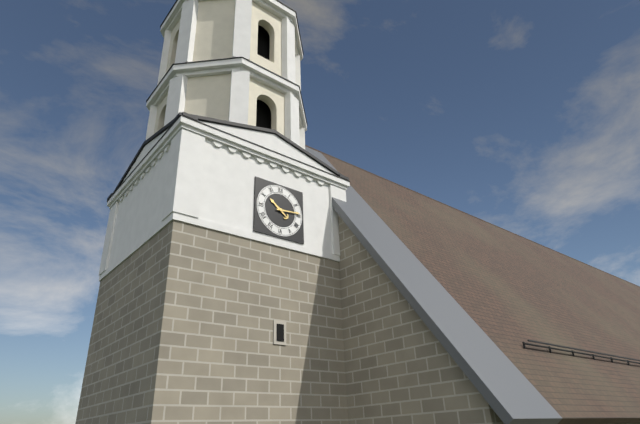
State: 10 h 14 min
